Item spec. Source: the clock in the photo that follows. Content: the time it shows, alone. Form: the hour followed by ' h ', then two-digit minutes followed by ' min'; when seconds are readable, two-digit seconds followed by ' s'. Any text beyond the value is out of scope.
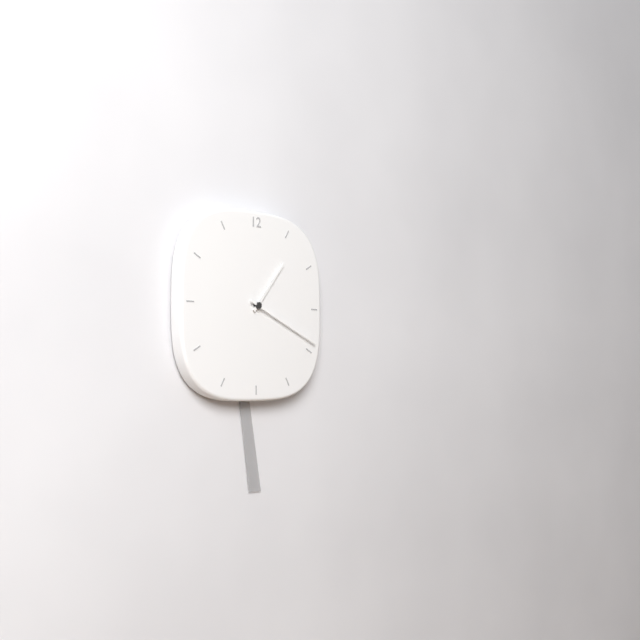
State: 1 h 19 min
